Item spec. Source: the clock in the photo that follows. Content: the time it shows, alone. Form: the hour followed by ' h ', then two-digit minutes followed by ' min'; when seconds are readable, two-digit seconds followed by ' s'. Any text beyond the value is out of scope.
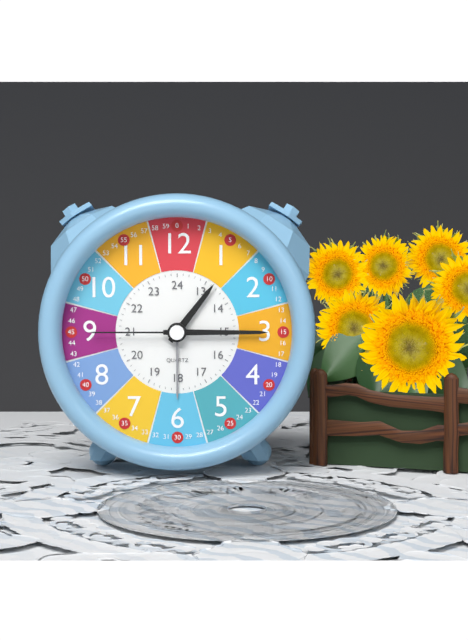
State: 1 h 15 min 45 s
